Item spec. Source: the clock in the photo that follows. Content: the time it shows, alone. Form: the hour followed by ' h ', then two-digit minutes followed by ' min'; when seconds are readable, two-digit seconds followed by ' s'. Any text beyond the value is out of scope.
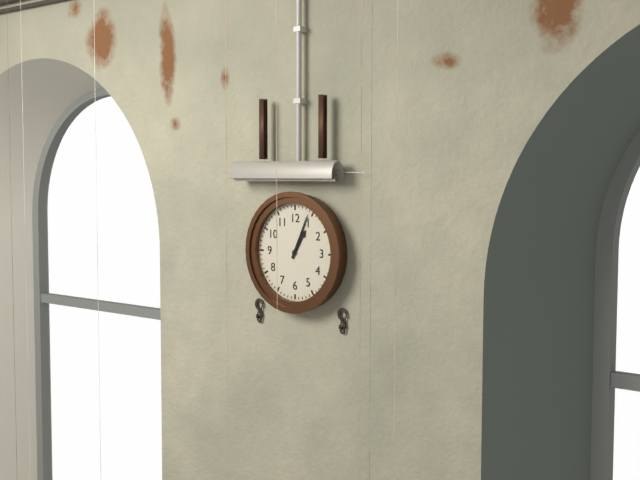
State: 1 h 04 min
